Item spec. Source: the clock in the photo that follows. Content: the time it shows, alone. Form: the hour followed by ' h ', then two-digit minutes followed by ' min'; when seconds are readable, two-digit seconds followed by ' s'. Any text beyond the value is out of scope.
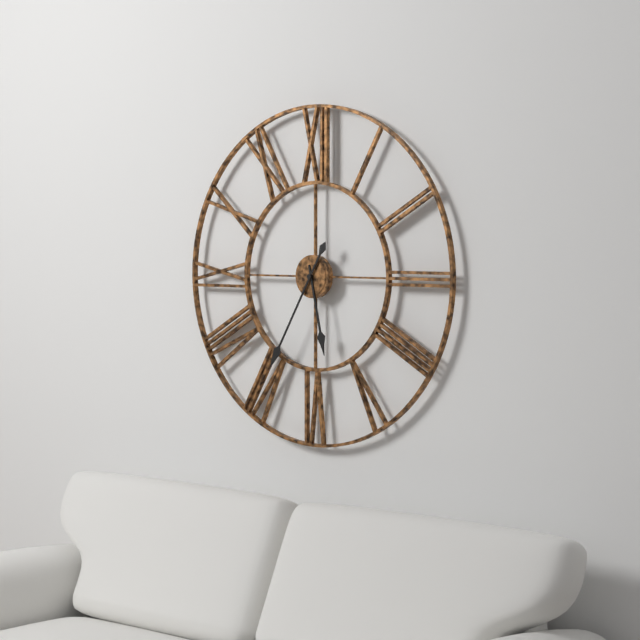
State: 5 h 35 min
